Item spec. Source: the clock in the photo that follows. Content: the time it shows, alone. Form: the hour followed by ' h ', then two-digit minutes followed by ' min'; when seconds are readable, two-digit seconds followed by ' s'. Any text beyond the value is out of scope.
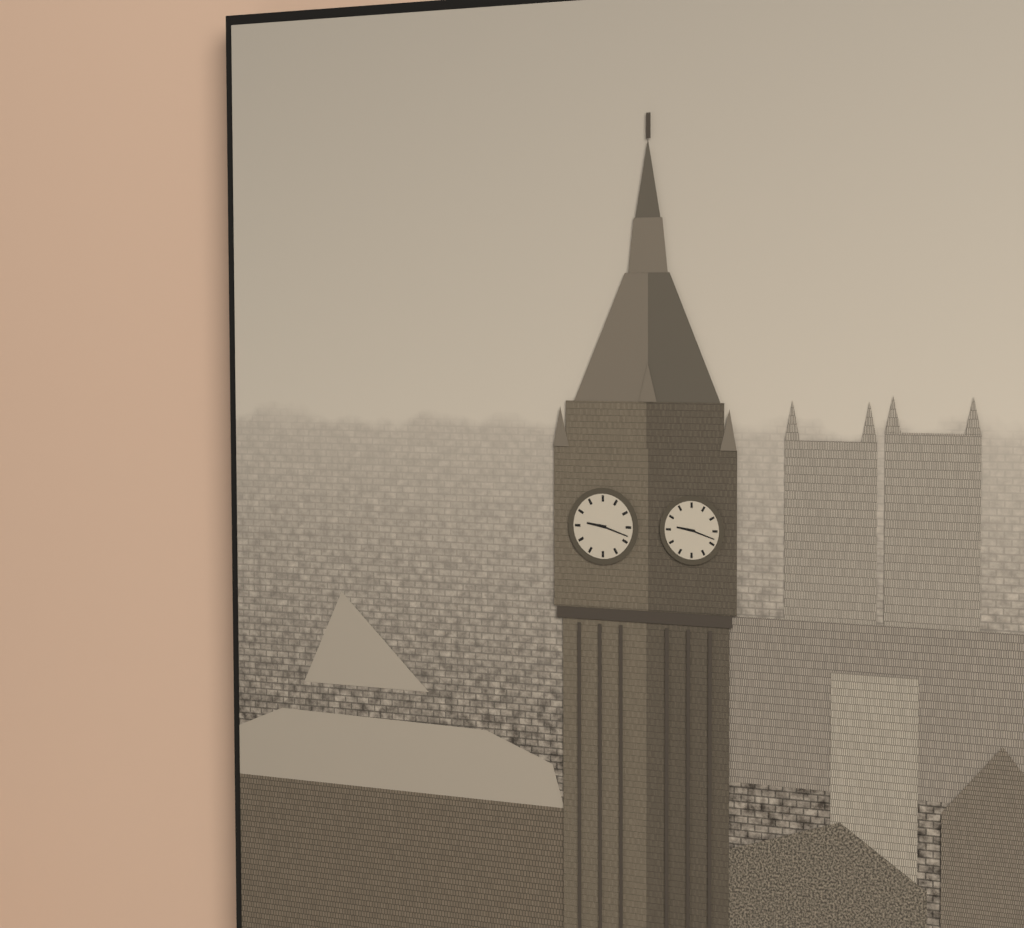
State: 9 h 18 min
